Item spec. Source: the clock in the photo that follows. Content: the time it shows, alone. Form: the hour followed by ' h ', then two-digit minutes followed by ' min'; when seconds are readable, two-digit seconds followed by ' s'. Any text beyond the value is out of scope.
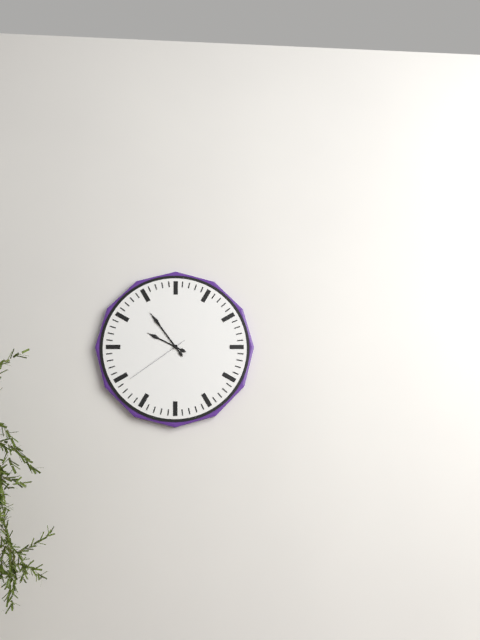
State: 9 h 54 min 39 s
